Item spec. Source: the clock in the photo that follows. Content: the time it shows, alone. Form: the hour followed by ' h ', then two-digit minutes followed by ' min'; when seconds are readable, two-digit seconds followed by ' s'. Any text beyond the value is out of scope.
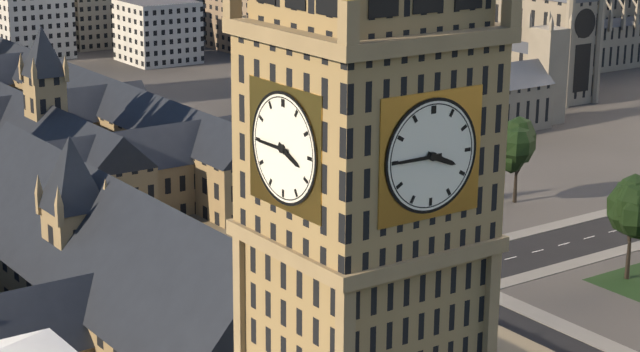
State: 3 h 45 min
